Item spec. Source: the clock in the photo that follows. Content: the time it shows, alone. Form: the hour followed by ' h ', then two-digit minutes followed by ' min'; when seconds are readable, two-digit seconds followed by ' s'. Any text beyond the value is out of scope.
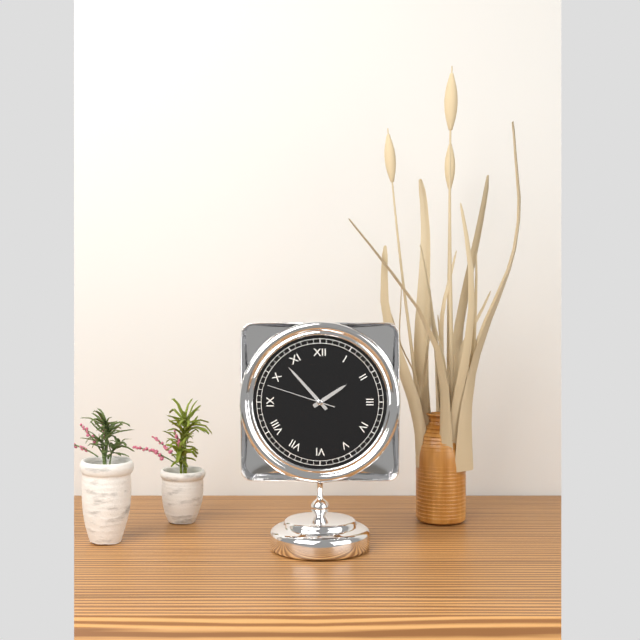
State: 1 h 53 min 48 s
